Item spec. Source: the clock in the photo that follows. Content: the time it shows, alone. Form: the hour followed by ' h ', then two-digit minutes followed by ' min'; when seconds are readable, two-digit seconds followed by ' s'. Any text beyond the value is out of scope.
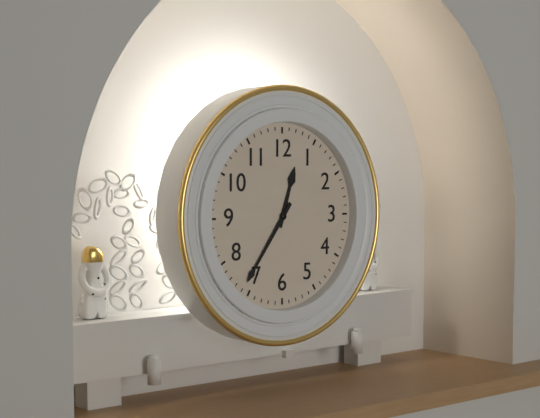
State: 12 h 36 min
